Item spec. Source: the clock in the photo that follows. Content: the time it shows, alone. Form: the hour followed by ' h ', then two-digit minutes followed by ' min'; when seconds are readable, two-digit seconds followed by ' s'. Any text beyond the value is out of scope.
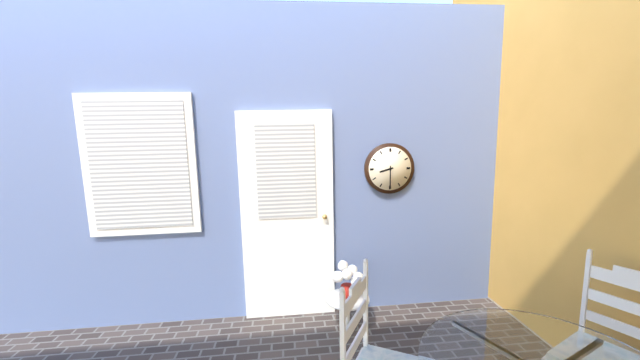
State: 8 h 30 min
